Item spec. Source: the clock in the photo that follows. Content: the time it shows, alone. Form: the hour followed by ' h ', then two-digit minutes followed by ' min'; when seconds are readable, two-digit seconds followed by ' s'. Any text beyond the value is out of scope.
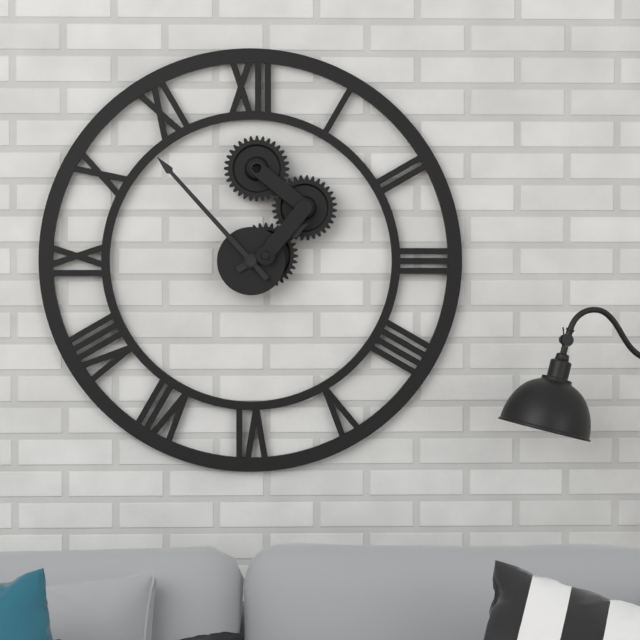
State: 1 h 53 min
